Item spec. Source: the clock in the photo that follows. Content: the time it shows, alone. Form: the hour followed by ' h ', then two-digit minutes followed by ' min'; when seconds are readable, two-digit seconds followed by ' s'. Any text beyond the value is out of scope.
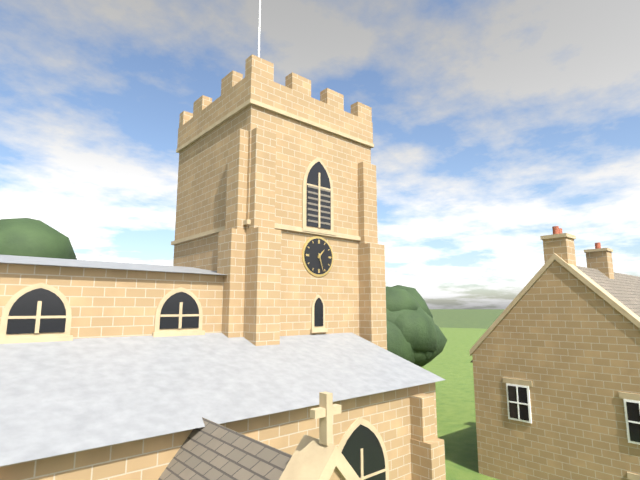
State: 1 h 27 min
